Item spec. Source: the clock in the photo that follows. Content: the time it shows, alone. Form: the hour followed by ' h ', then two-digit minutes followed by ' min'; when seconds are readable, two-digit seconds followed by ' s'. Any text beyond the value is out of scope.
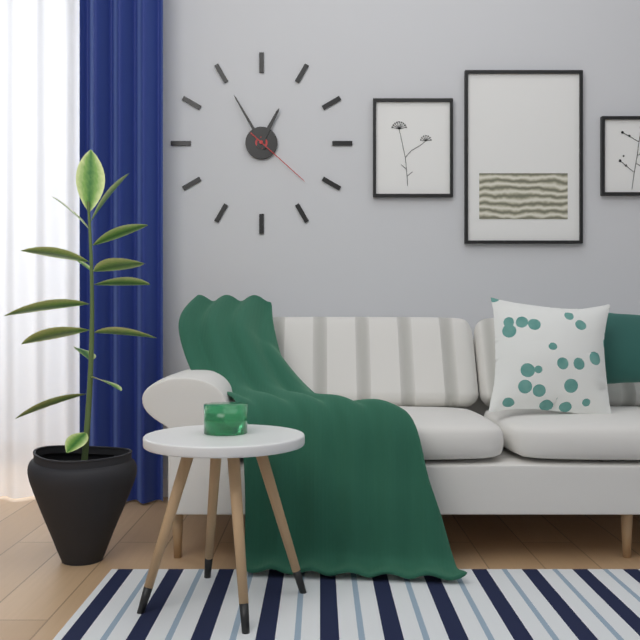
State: 12 h 55 min 22 s
